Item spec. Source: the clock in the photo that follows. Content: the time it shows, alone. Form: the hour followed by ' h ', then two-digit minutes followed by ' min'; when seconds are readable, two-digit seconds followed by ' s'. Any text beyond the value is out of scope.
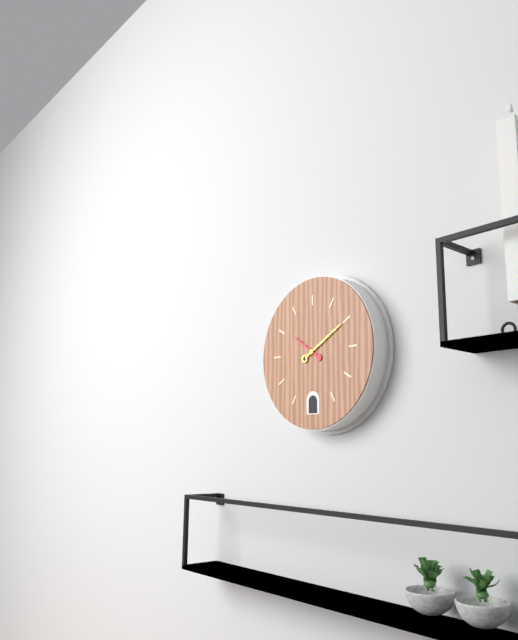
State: 10 h 10 min
